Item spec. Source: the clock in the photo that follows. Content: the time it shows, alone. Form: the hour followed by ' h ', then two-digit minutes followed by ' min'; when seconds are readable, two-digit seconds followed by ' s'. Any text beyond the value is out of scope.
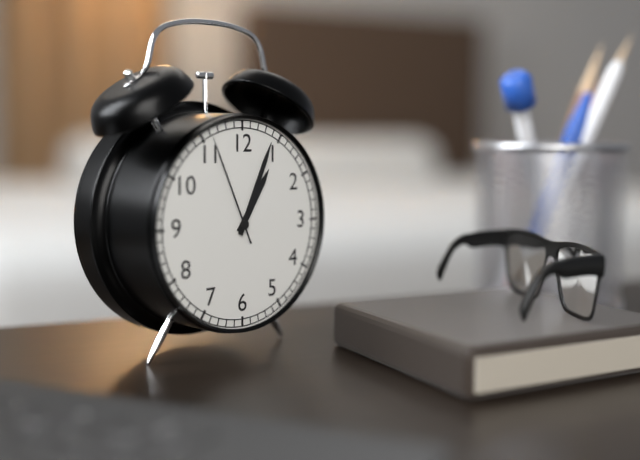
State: 1 h 04 min 56 s
